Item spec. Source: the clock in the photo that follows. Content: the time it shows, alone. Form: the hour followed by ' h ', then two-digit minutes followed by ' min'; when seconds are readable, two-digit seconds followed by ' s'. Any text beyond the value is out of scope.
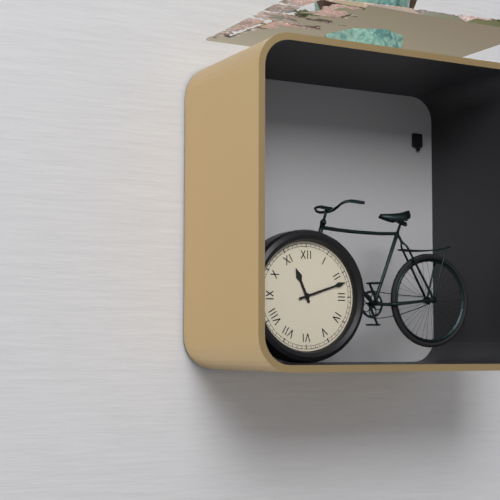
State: 11 h 12 min
